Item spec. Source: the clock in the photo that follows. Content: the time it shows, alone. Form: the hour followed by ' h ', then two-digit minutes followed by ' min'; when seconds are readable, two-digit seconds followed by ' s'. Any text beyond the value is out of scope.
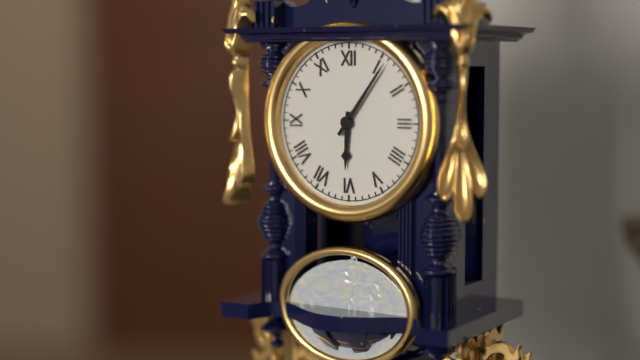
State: 6 h 06 min
